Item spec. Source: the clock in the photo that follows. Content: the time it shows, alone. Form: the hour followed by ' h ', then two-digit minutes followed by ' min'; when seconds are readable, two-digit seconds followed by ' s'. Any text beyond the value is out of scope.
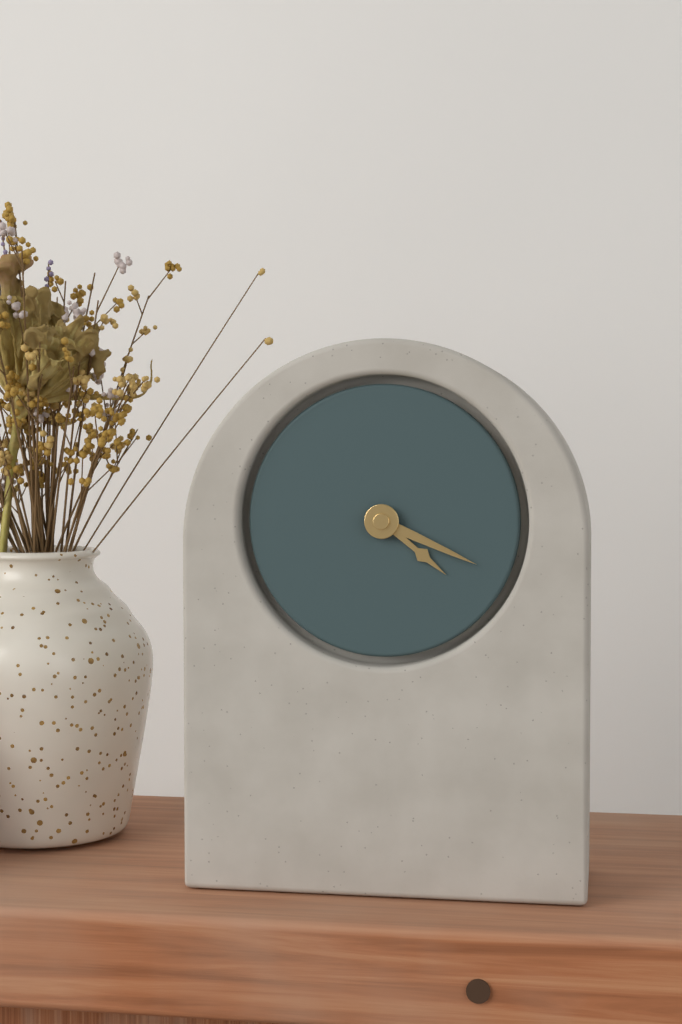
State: 4 h 19 min
